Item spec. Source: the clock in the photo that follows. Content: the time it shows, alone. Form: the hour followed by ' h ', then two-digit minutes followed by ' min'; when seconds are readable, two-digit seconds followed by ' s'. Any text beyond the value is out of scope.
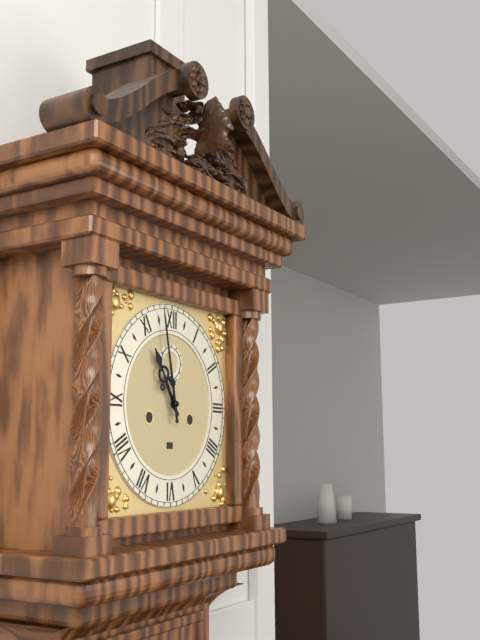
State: 10 h 58 min
